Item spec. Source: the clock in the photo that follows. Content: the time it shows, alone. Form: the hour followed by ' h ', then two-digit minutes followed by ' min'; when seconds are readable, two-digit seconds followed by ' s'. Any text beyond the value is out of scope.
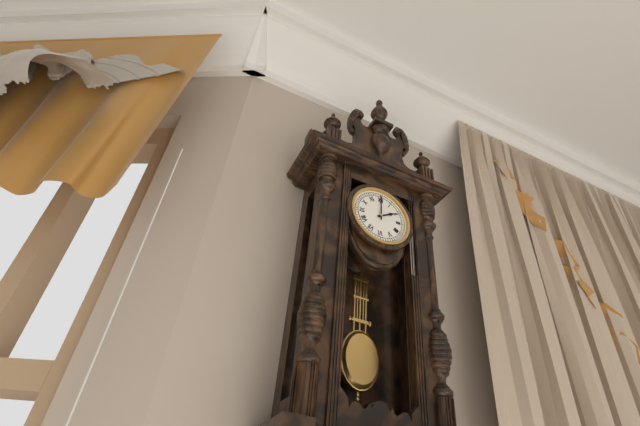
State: 2 h 00 min
